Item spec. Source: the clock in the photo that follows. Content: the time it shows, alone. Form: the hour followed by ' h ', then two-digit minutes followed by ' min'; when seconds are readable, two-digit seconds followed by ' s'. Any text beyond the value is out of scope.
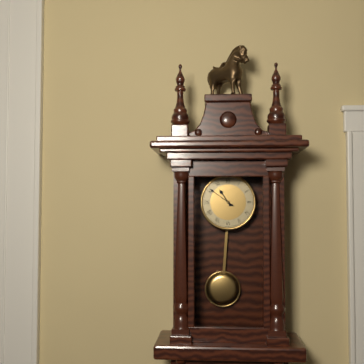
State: 10 h 51 min
